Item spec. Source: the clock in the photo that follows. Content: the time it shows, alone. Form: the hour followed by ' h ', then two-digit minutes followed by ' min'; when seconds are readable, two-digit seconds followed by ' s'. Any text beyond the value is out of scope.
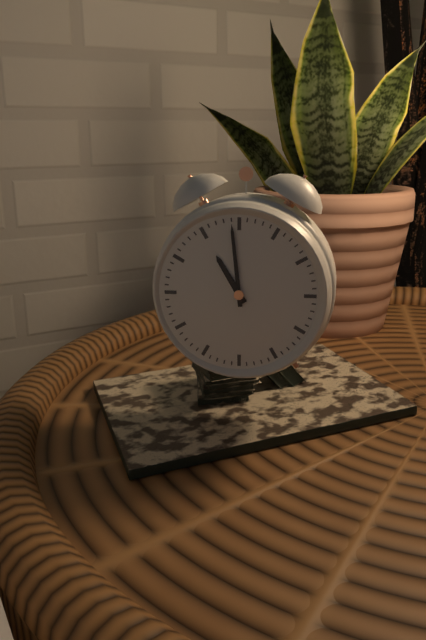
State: 10 h 59 min
